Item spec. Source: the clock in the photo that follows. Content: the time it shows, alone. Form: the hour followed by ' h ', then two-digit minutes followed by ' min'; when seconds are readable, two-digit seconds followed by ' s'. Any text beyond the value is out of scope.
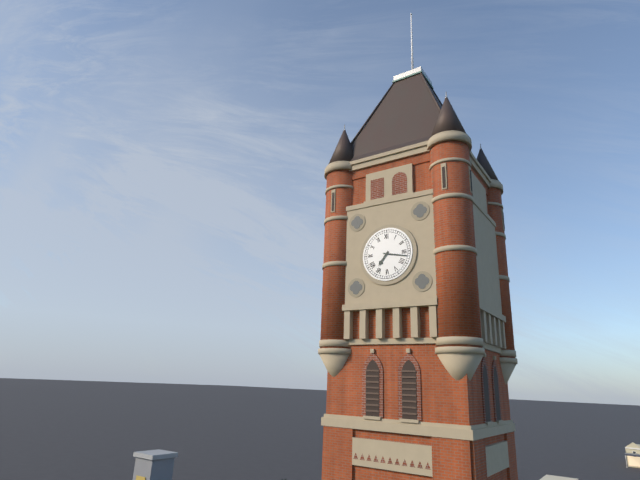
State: 7 h 17 min
